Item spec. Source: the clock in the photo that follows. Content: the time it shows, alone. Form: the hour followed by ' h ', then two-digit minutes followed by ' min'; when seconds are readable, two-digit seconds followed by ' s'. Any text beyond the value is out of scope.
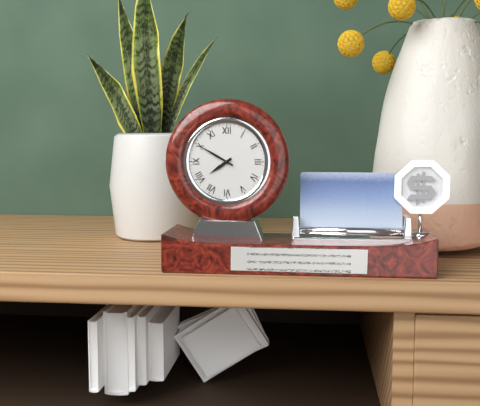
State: 7 h 50 min
